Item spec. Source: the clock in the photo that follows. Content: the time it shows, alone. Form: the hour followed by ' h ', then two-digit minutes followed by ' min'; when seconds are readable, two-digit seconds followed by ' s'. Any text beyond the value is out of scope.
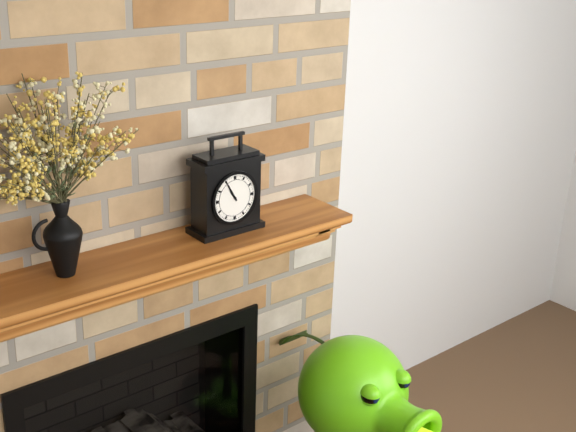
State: 10 h 55 min
